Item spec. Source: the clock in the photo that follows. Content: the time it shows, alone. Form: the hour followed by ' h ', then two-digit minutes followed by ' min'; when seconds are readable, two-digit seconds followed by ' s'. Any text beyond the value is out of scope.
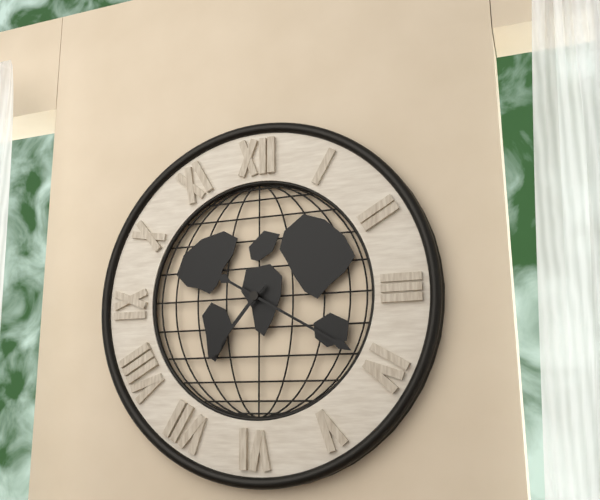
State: 7 h 20 min
